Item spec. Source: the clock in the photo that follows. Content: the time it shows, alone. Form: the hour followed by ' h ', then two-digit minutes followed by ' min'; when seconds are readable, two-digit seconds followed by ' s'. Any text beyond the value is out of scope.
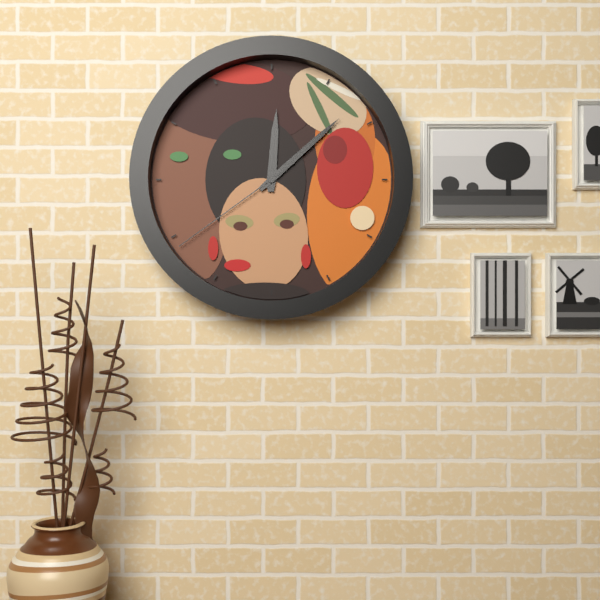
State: 12 h 08 min 39 s
